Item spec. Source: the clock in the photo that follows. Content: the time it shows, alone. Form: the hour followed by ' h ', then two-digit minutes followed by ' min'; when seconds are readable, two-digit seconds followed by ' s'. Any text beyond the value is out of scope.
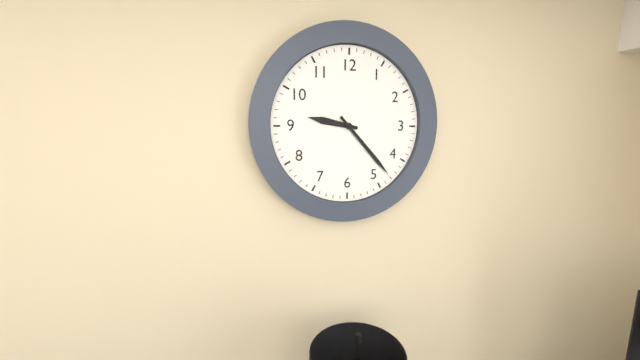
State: 9 h 23 min
